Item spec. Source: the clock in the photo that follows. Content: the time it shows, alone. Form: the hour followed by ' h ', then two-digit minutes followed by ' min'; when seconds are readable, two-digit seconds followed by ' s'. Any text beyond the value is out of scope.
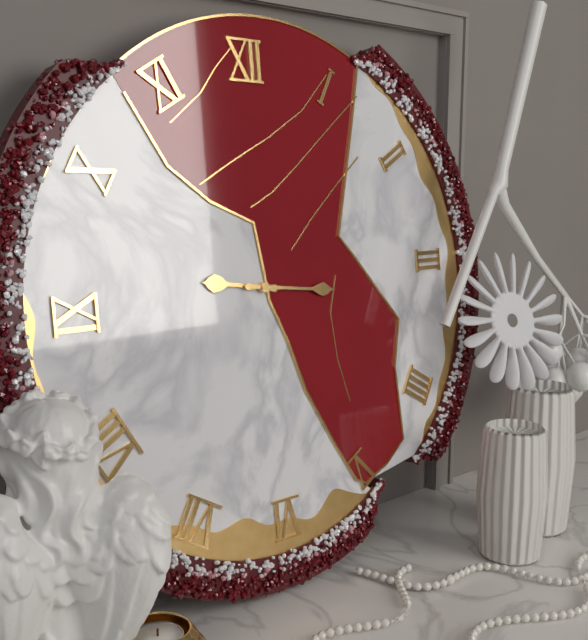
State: 9 h 16 min
